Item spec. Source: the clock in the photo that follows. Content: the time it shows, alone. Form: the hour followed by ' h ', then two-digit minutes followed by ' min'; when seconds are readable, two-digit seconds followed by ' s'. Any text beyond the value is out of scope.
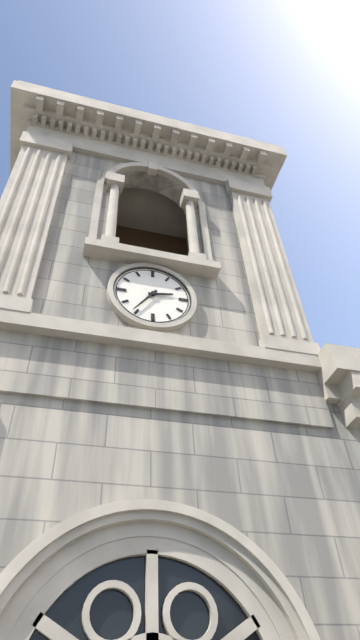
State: 2 h 36 min
